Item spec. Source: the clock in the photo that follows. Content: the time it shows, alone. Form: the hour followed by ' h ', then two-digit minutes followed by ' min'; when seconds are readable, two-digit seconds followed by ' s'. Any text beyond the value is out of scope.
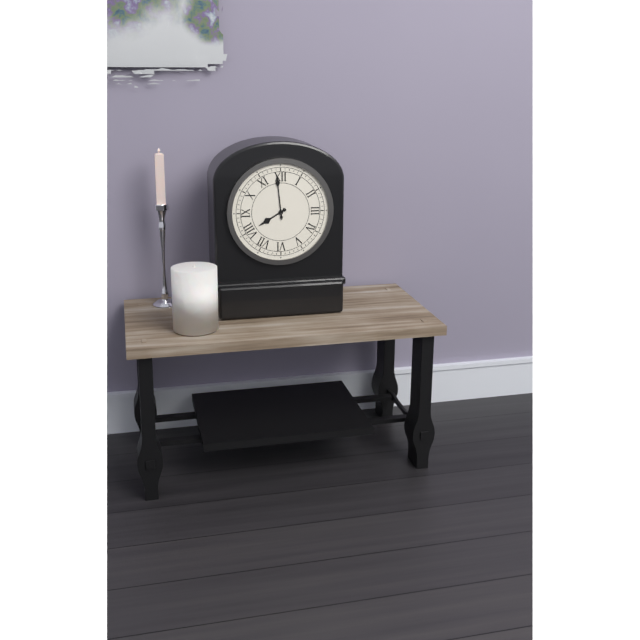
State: 7 h 59 min
